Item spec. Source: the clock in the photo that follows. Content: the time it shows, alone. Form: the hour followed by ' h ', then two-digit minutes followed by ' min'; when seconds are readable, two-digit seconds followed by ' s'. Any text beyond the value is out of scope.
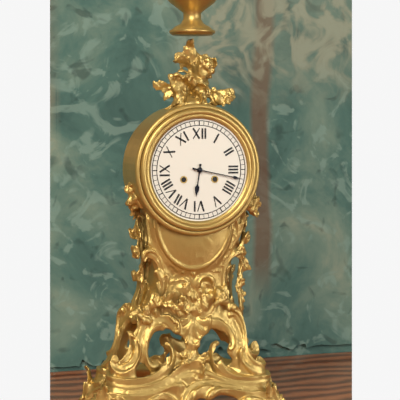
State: 6 h 17 min
